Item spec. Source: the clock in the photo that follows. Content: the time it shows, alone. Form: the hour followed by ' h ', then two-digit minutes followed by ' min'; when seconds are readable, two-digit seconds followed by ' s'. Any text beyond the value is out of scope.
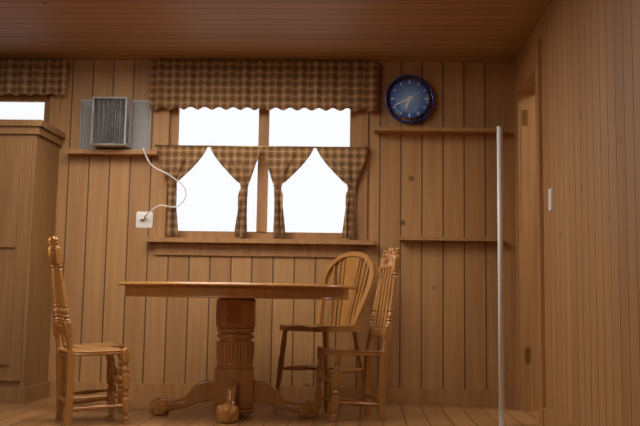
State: 6 h 41 min
